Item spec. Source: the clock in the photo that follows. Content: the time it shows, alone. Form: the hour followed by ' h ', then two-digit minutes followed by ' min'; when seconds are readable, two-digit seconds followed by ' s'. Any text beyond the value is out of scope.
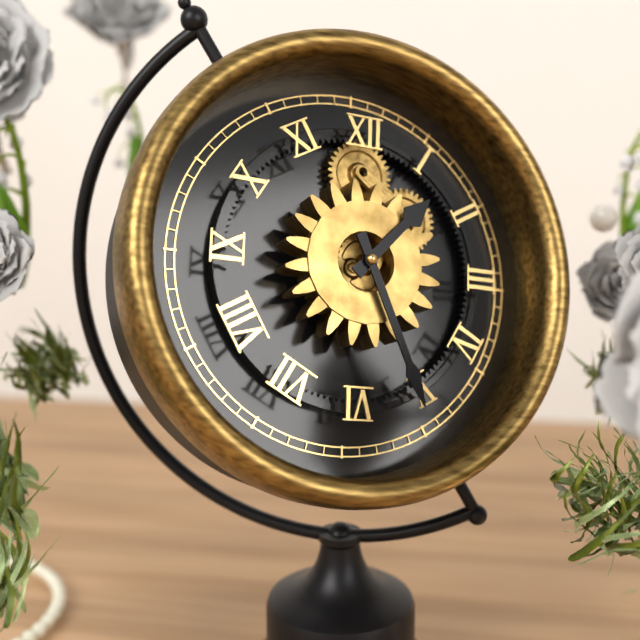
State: 1 h 26 min
